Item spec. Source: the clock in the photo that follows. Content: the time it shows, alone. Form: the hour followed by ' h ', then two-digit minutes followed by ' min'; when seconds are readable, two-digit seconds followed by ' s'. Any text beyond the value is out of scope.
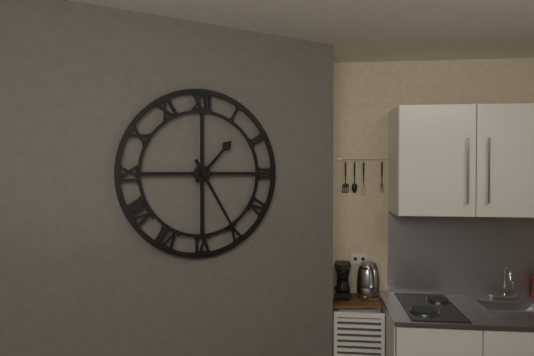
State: 1 h 25 min
